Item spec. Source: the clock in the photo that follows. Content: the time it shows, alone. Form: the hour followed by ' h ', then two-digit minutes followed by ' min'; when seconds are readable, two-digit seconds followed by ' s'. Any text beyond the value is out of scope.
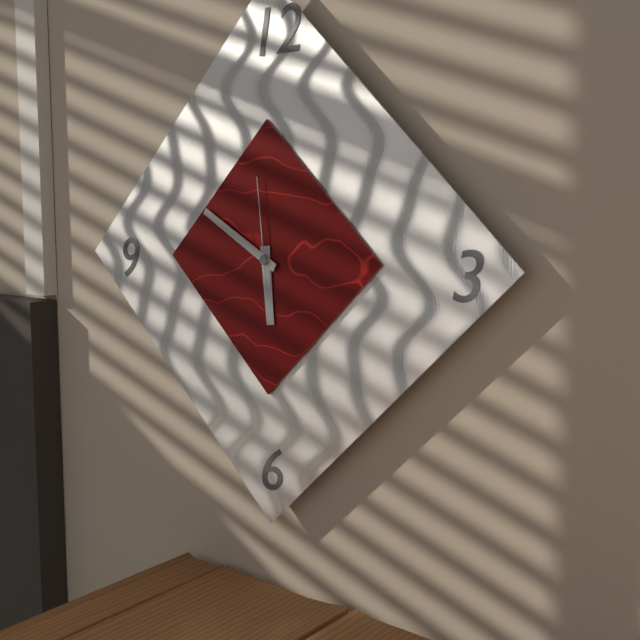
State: 5 h 50 min 59 s
